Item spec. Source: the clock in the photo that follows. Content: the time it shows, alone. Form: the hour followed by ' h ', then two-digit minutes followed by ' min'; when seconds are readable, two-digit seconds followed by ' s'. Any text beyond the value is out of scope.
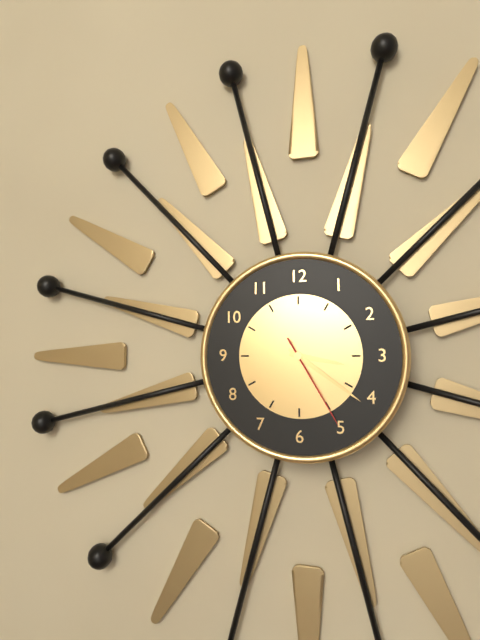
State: 3 h 21 min 25 s
